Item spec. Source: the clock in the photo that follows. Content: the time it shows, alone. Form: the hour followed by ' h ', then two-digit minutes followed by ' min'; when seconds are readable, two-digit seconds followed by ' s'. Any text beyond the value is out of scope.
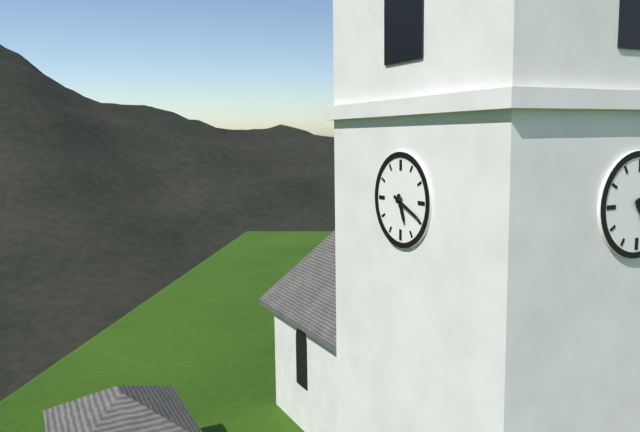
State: 5 h 19 min
